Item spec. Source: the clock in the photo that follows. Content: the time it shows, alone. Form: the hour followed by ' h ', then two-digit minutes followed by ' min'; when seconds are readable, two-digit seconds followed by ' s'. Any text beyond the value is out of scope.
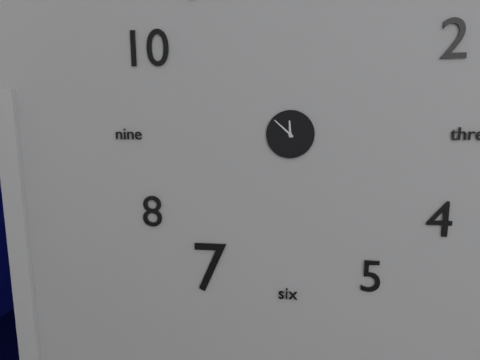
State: 11 h 52 min
